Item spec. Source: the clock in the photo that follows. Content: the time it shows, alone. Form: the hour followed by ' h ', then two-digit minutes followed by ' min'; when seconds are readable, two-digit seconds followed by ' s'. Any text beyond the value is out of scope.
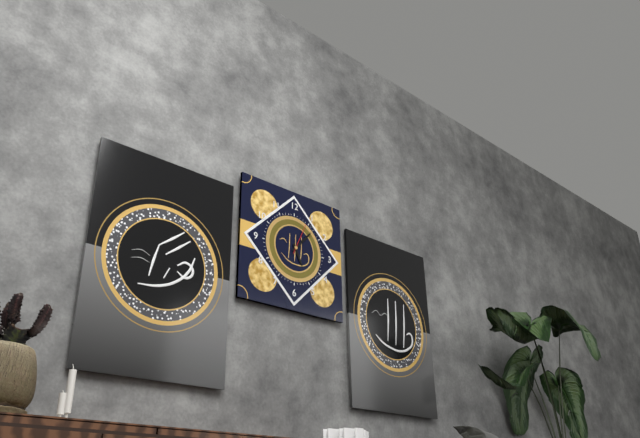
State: 5 h 07 min
